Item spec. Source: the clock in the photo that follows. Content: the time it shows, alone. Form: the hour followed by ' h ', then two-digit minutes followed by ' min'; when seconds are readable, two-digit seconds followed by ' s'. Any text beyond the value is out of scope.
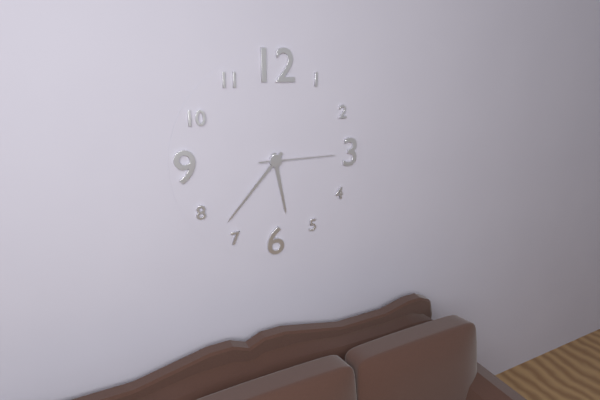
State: 5 h 37 min 15 s
